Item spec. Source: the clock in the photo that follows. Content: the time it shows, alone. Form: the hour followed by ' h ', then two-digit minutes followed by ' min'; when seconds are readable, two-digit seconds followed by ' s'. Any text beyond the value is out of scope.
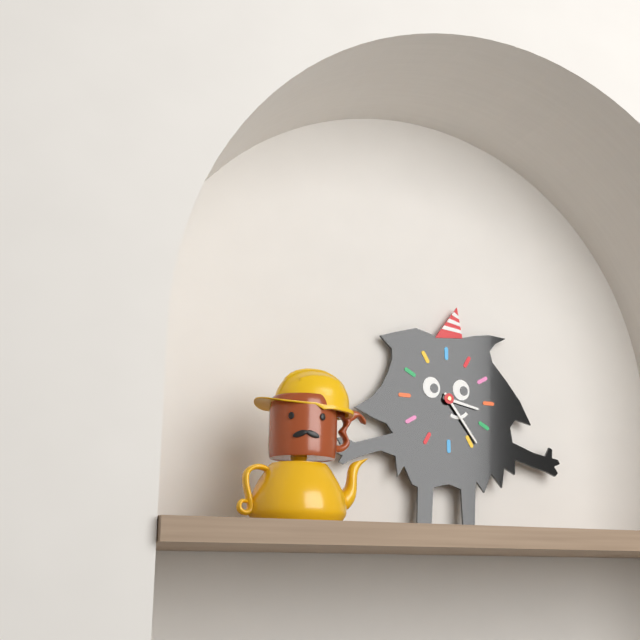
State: 3 h 24 min
